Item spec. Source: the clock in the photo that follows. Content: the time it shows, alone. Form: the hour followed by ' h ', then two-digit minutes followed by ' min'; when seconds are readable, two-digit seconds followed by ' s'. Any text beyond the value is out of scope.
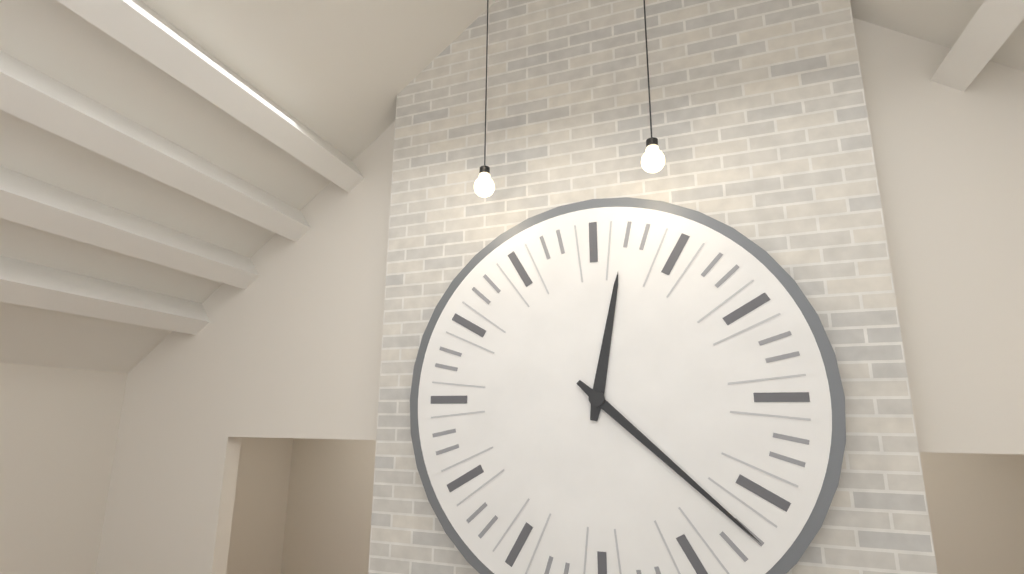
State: 12 h 22 min
